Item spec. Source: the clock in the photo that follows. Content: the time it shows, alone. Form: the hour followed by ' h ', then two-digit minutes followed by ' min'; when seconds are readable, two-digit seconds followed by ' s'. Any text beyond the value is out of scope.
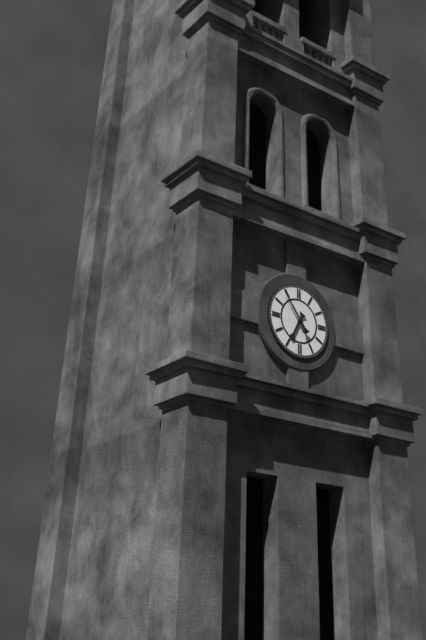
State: 6 h 54 min
